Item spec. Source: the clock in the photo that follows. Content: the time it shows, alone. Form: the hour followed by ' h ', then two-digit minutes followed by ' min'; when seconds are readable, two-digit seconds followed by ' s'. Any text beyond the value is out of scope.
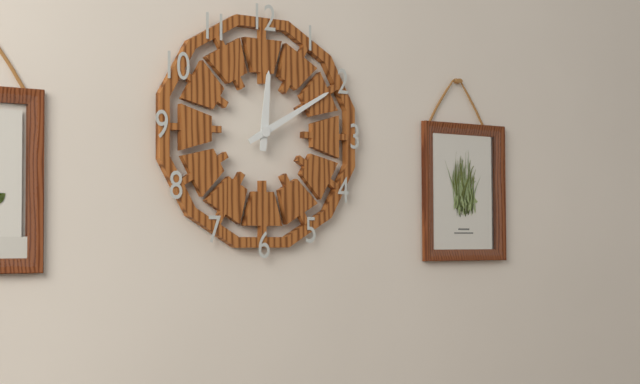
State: 12 h 10 min
